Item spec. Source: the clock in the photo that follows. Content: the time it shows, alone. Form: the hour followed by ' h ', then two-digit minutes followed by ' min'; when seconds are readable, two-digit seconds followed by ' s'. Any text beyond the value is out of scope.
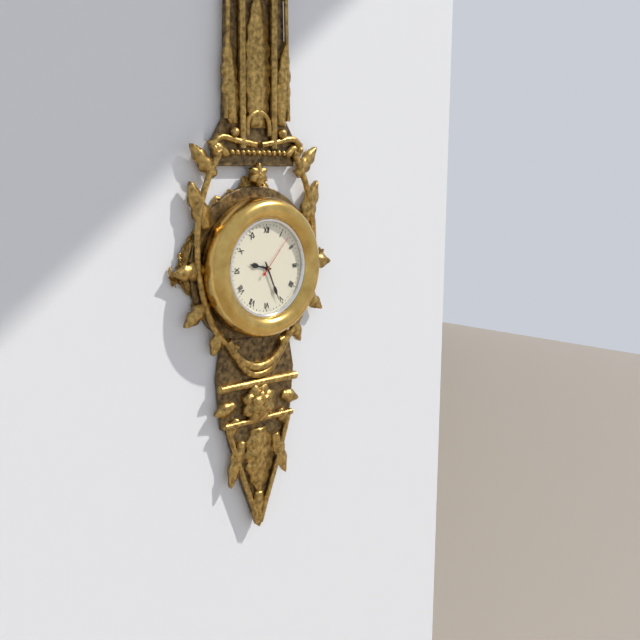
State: 9 h 26 min 07 s
